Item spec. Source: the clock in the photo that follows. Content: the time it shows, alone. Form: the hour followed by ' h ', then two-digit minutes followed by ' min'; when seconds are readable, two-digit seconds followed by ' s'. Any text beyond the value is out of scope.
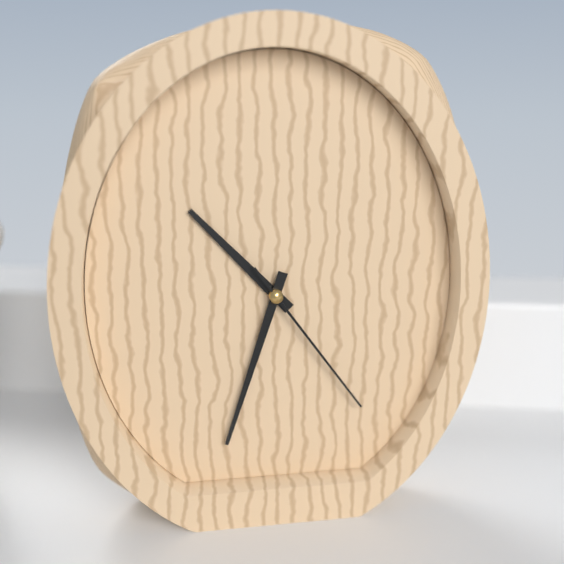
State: 10 h 33 min 24 s
